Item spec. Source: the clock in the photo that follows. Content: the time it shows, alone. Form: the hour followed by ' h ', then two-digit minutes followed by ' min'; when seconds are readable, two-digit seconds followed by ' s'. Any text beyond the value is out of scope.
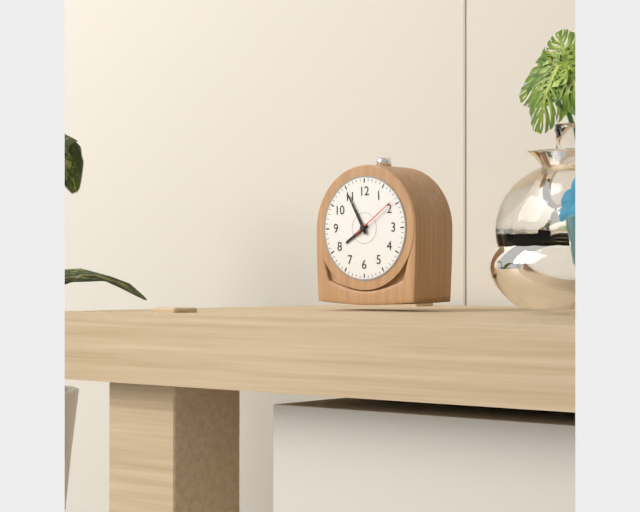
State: 7 h 55 min
